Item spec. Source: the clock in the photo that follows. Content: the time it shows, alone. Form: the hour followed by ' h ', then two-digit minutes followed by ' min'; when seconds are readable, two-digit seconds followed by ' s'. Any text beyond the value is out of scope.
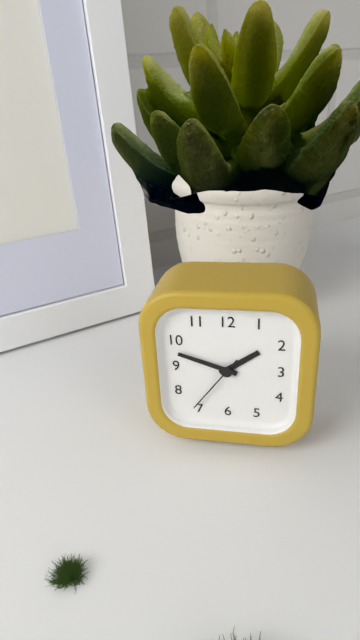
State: 1 h 48 min 36 s
